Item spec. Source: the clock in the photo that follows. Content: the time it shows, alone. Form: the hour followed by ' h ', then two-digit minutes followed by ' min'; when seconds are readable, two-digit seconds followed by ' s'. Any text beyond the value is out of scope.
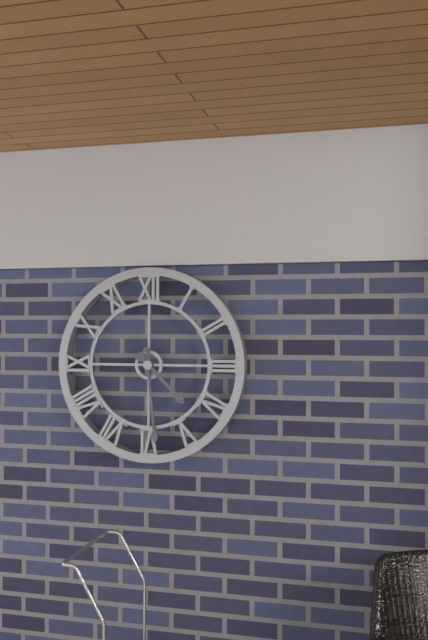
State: 4 h 29 min
